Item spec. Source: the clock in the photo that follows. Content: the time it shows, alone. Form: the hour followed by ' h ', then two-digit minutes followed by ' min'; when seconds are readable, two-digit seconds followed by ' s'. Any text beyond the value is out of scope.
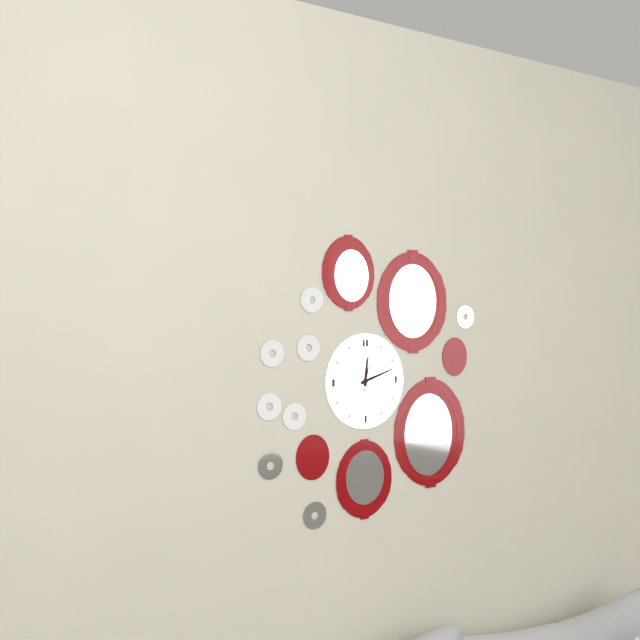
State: 12 h 12 min 02 s
